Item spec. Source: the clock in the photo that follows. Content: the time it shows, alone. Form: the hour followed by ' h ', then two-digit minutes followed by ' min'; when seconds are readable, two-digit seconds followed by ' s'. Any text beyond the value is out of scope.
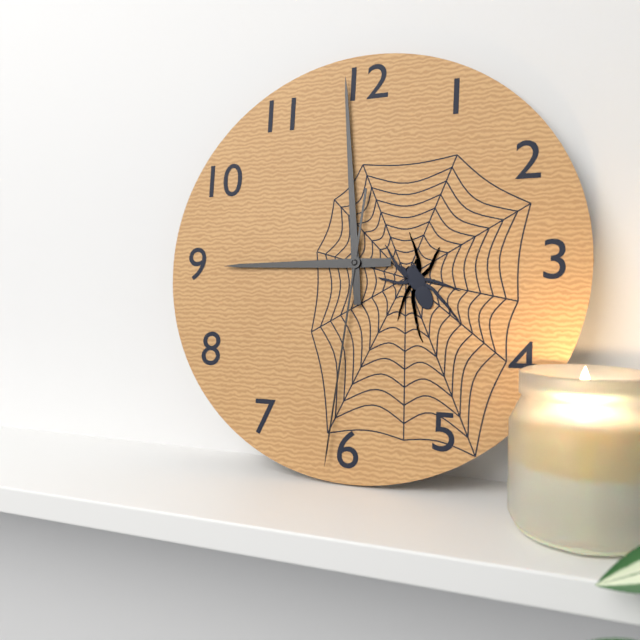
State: 8 h 59 min 31 s
